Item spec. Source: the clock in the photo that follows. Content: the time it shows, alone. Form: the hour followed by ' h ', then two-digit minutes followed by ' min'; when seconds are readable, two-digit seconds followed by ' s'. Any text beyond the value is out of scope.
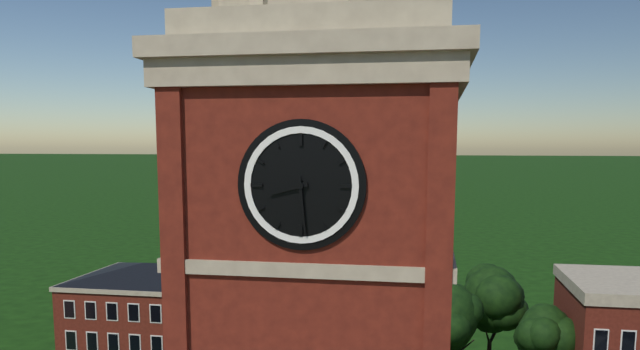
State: 8 h 29 min
